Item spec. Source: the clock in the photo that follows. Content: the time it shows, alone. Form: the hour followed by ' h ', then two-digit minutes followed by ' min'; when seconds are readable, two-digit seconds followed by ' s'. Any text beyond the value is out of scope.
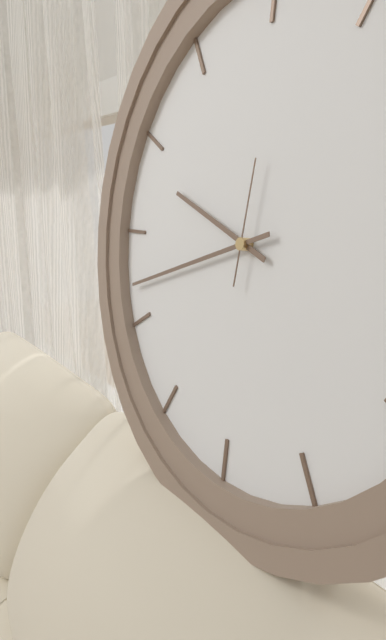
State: 9 h 42 min 01 s
